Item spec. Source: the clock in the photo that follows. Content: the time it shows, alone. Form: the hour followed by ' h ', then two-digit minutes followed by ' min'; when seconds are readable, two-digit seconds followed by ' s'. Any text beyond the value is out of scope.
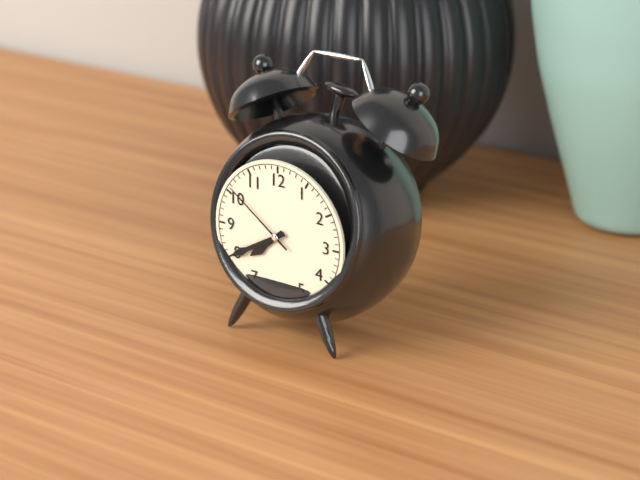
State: 7 h 40 min 51 s
